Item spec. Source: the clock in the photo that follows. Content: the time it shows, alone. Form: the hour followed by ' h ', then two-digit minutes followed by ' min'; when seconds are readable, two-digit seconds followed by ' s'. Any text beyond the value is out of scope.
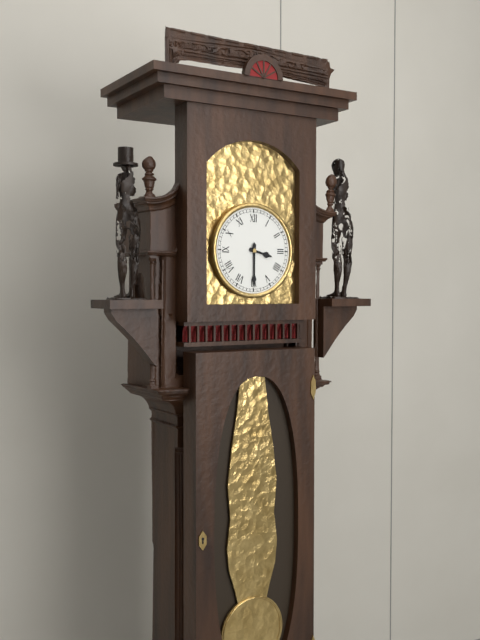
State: 3 h 30 min
